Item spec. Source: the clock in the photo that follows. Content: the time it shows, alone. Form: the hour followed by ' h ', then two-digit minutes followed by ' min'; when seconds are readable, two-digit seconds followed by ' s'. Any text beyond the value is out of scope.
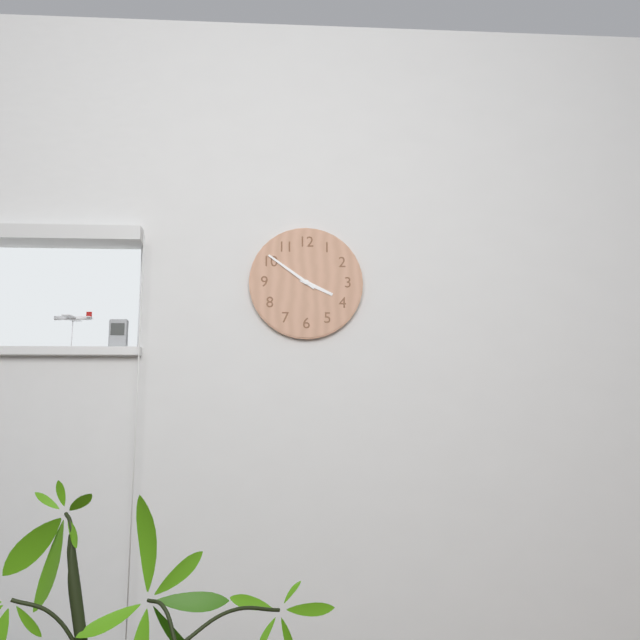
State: 3 h 51 min
